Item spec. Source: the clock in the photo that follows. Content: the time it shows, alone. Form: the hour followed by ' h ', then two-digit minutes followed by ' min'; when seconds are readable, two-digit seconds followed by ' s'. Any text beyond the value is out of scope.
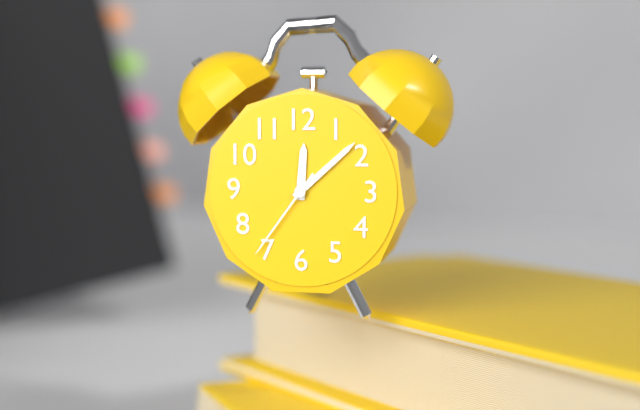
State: 12 h 08 min 36 s
